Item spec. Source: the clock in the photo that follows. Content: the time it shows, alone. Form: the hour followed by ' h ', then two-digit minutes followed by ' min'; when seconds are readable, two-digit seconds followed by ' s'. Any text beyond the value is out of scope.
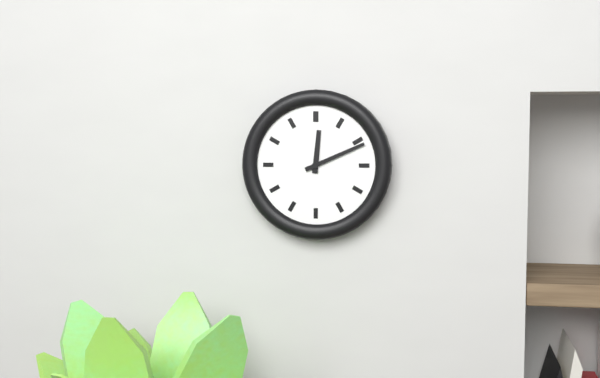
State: 12 h 11 min
